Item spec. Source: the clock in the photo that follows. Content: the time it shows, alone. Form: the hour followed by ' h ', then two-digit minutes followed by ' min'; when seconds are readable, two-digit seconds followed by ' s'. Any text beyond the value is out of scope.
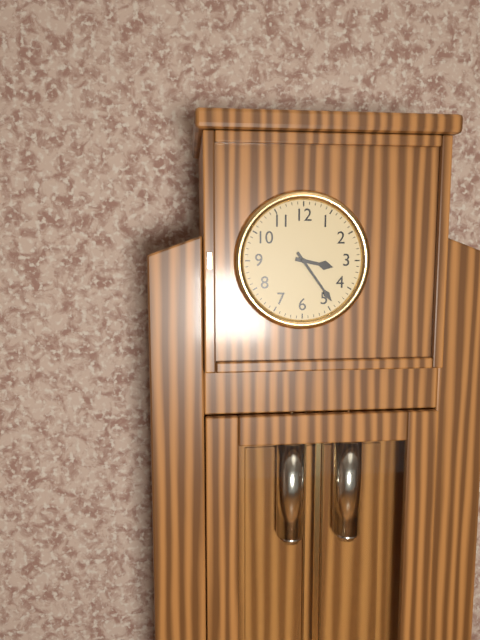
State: 3 h 24 min
